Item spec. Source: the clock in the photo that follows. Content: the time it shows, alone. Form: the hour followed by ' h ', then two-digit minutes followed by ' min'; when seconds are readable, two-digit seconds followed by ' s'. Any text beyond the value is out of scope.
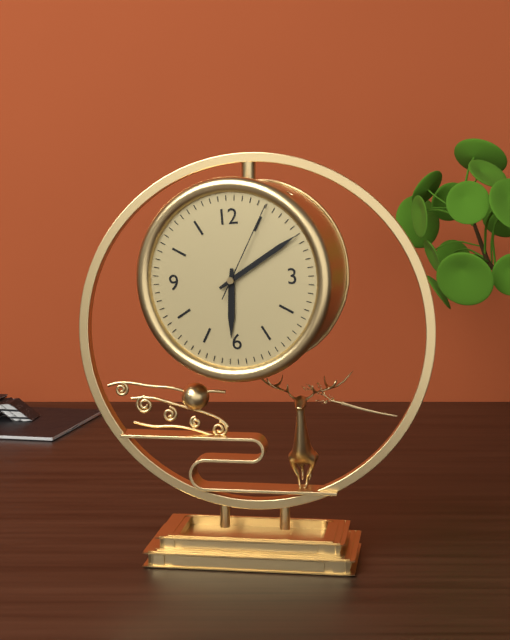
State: 6 h 10 min 05 s
